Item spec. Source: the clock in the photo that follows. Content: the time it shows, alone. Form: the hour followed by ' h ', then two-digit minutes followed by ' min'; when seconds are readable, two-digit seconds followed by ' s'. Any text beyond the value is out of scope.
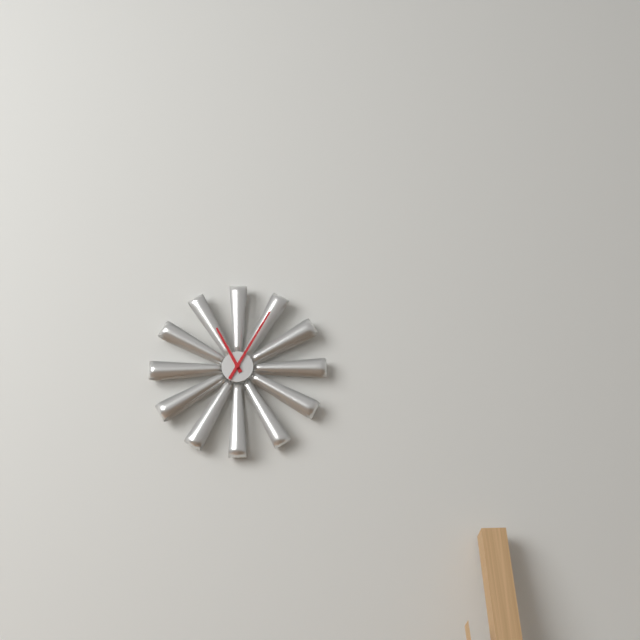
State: 11 h 05 min
